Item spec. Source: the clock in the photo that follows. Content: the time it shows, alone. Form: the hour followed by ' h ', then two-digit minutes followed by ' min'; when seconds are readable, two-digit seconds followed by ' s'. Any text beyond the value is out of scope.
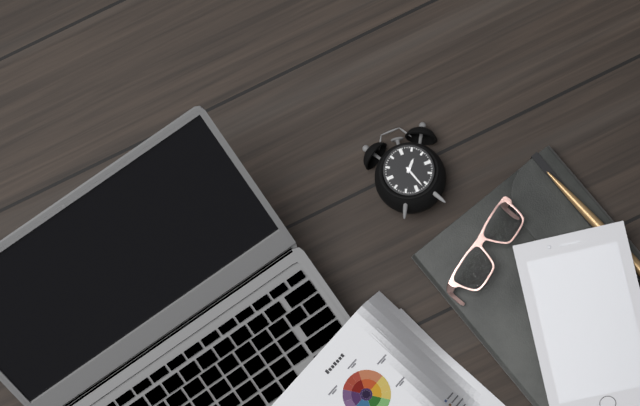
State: 1 h 27 min
